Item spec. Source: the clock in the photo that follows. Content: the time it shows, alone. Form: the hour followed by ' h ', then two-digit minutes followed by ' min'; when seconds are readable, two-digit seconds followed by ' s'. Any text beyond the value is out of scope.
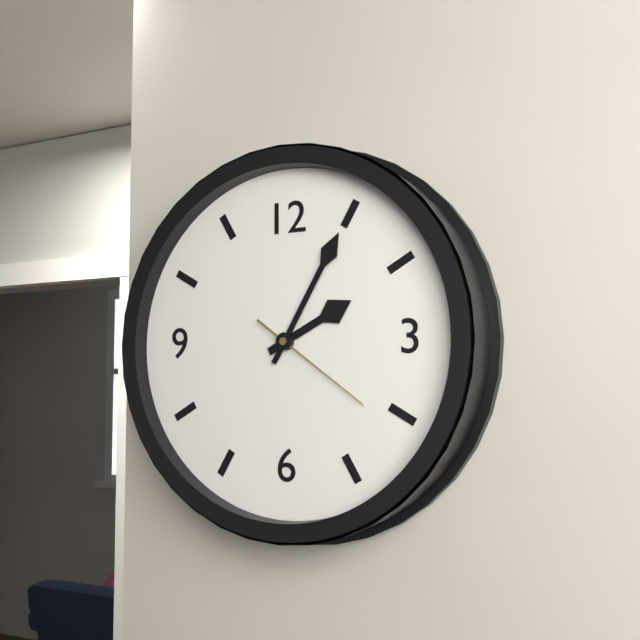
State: 2 h 05 min 21 s
